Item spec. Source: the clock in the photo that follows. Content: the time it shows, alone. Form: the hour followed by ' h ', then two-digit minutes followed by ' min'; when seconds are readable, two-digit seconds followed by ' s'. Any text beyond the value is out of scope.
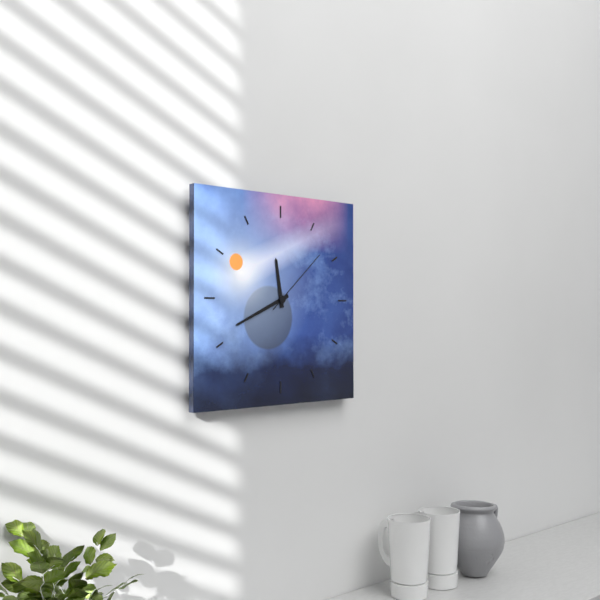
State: 11 h 41 min 08 s
